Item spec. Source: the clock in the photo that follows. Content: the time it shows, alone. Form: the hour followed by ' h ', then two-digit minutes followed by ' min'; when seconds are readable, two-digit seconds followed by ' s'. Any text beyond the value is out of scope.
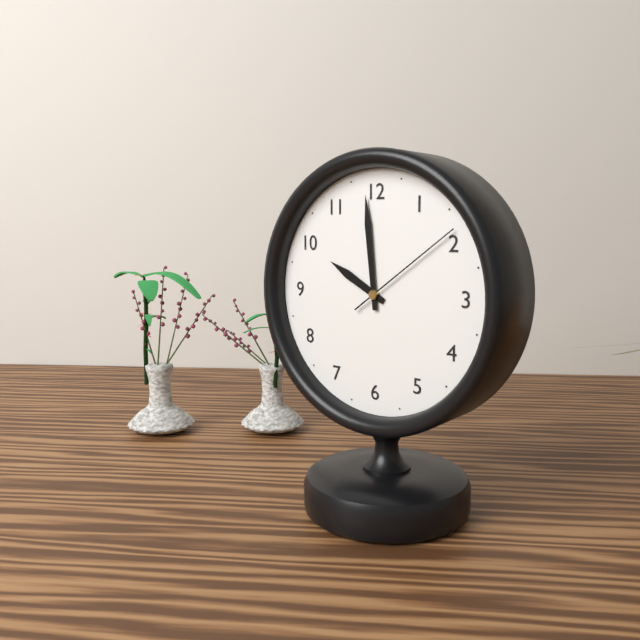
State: 9 h 59 min 09 s
